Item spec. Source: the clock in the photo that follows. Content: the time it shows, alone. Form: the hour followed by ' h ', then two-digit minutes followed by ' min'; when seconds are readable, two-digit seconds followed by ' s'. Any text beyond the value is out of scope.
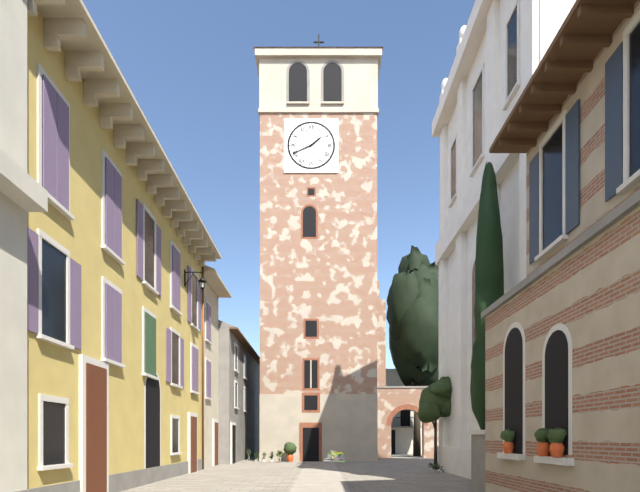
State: 1 h 41 min
